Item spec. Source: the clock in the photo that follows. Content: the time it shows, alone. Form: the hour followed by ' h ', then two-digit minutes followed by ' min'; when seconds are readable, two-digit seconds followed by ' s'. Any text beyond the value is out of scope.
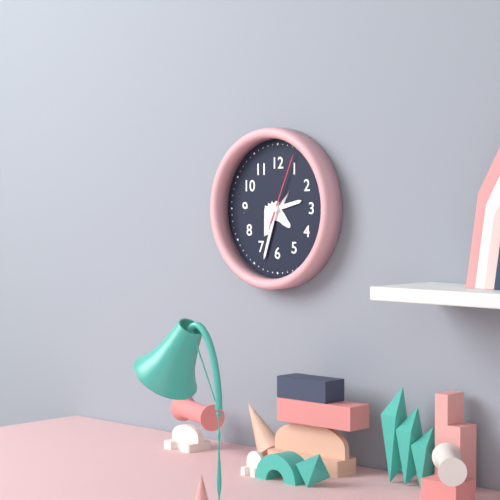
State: 2 h 33 min 04 s
